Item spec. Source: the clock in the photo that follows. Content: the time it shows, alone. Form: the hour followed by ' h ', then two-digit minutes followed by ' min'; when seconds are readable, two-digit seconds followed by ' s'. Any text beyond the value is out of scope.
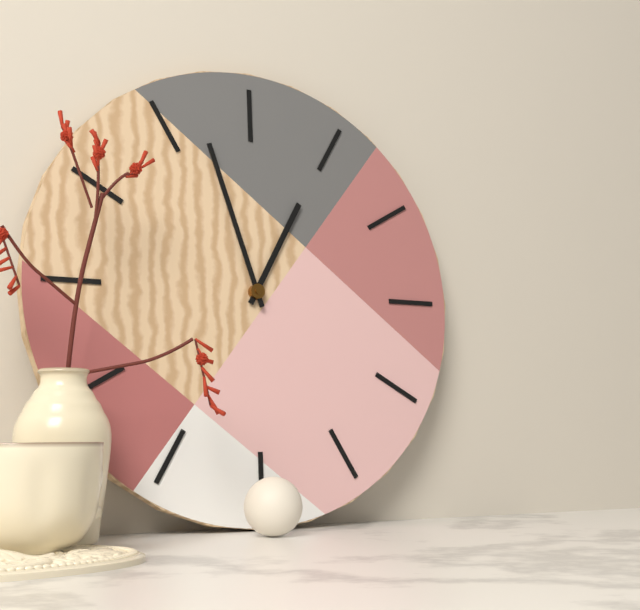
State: 12 h 57 min
